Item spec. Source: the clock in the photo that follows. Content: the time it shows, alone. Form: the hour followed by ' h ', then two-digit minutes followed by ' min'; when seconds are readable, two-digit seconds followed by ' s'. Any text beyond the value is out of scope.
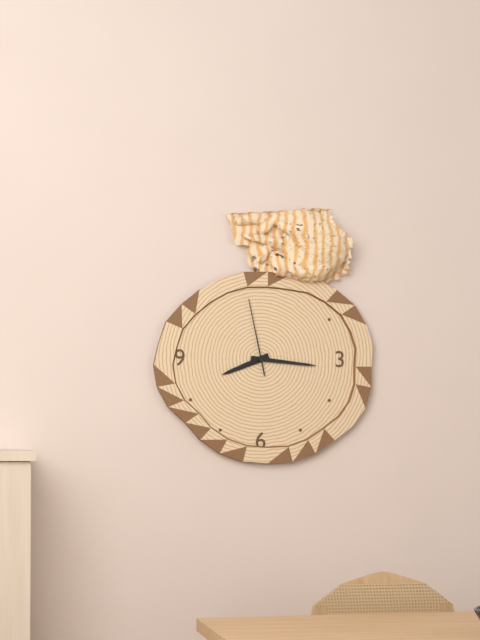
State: 8 h 16 min 58 s
